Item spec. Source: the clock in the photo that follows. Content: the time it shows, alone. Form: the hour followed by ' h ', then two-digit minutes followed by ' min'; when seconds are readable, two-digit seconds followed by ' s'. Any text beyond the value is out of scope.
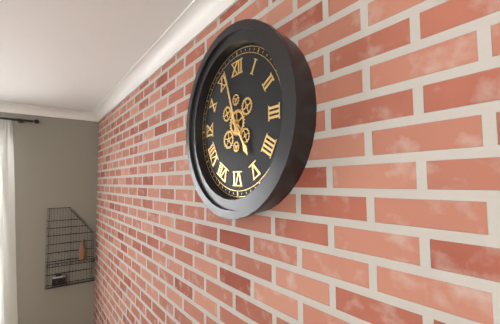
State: 4 h 57 min
